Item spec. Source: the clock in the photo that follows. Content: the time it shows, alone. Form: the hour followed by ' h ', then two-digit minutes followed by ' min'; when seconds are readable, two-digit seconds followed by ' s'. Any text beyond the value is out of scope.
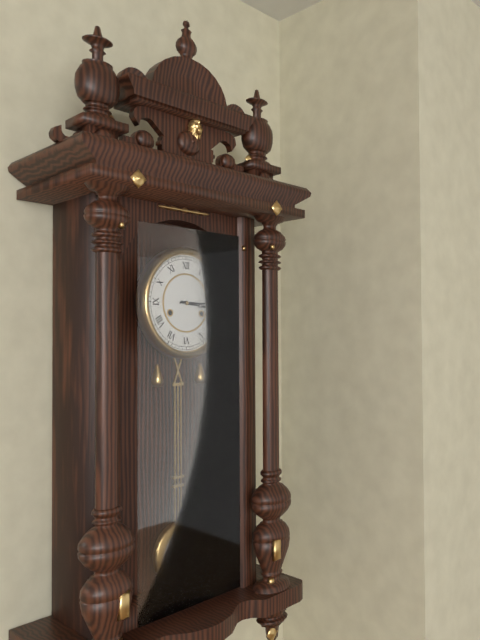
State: 3 h 15 min
